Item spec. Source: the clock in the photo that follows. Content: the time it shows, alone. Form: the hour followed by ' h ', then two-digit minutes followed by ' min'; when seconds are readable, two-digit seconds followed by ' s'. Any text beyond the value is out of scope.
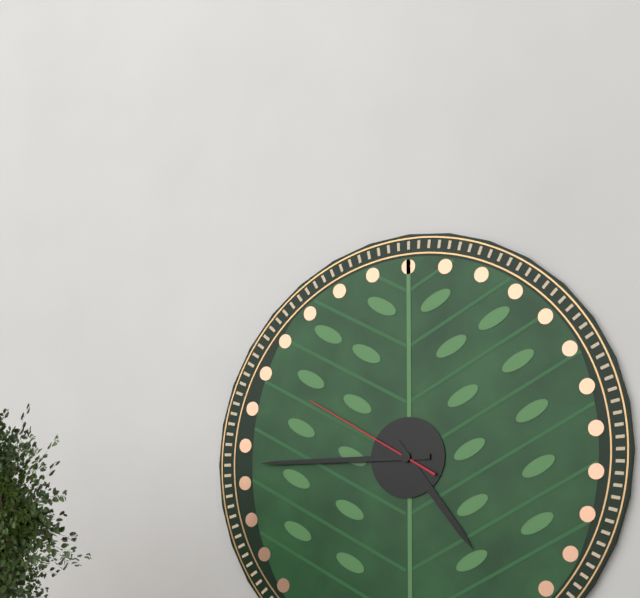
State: 4 h 45 min 50 s
